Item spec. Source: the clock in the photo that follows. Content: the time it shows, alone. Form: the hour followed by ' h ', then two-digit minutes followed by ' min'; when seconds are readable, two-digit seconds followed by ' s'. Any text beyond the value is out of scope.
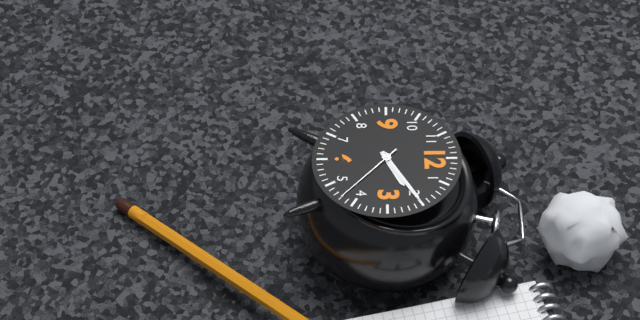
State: 2 h 10 min 22 s
